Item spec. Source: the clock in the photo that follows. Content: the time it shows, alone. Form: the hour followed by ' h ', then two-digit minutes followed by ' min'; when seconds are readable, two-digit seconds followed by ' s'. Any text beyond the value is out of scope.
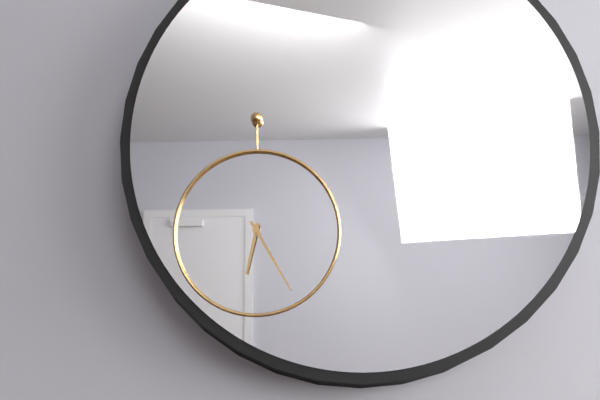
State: 6 h 25 min
